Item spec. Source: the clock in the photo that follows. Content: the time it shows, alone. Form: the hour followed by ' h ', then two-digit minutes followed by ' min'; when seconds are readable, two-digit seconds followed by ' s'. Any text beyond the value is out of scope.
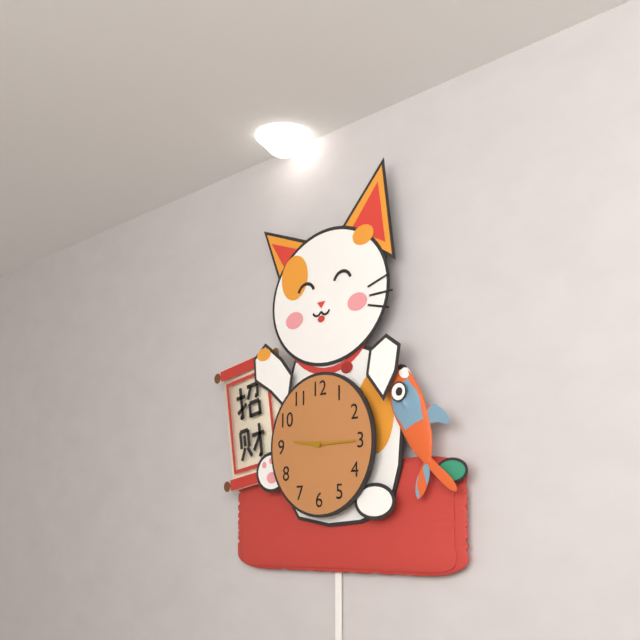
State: 9 h 15 min
